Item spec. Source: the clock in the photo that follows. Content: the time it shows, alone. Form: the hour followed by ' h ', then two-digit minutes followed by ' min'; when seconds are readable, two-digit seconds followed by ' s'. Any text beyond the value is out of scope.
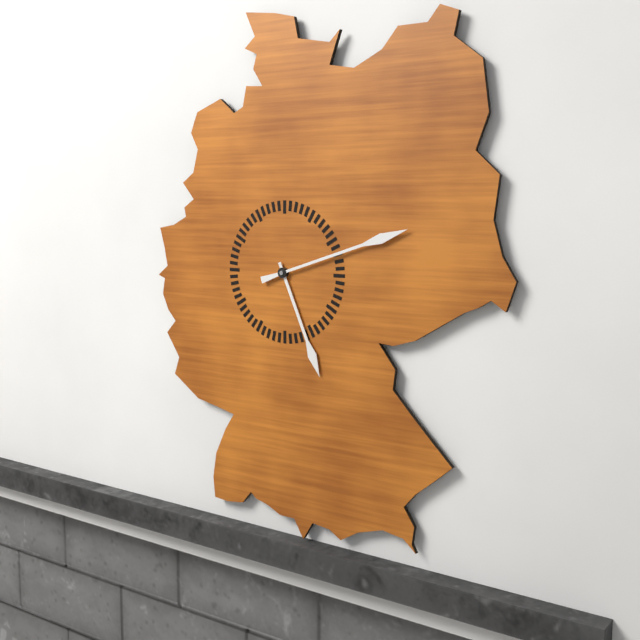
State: 5 h 12 min
